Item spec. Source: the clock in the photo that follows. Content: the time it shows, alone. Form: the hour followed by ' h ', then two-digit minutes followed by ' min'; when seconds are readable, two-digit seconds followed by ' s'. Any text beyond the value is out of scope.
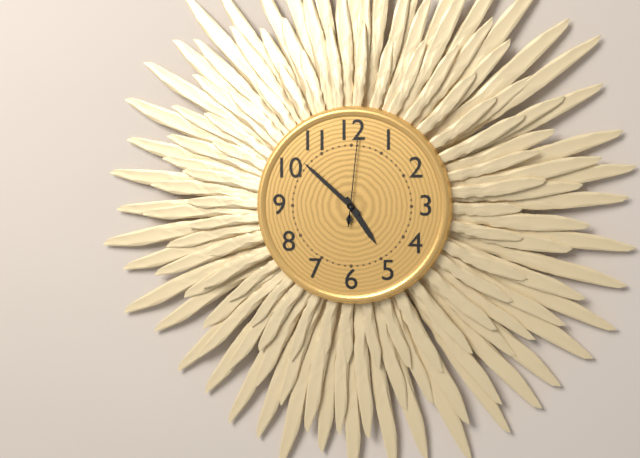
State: 4 h 52 min 01 s
